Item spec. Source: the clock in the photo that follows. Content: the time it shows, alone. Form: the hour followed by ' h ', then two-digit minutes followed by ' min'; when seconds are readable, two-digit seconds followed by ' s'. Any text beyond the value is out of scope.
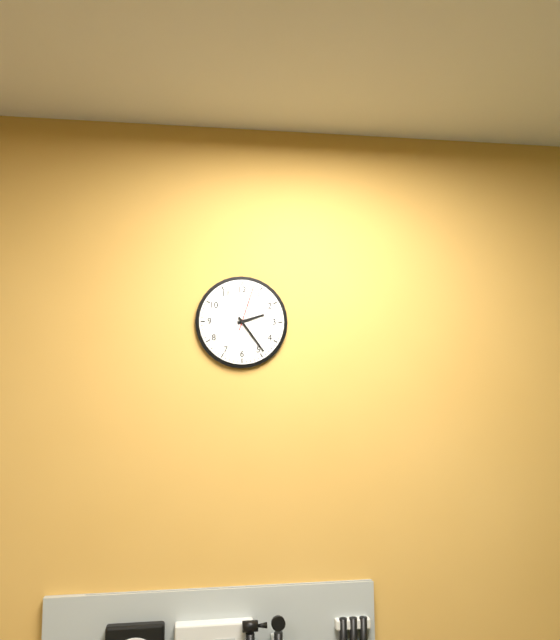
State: 2 h 24 min
